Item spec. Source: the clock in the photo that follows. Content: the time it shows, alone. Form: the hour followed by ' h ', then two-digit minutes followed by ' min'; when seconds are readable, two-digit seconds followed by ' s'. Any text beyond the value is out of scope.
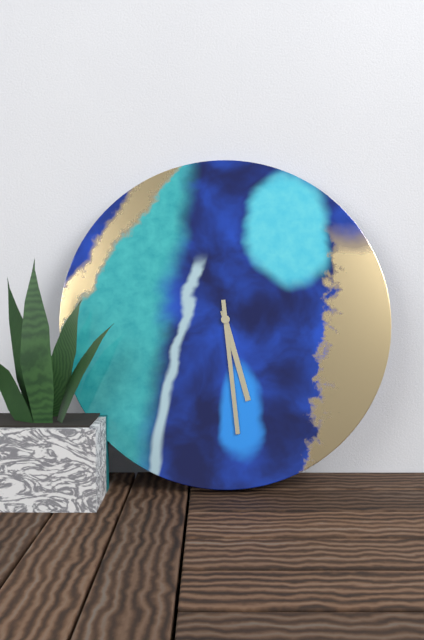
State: 5 h 29 min
